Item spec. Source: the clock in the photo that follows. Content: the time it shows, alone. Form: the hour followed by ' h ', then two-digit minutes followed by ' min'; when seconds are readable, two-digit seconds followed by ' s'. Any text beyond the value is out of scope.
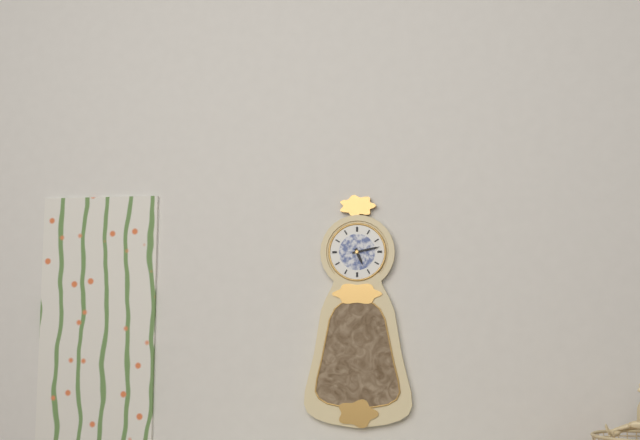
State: 5 h 13 min
